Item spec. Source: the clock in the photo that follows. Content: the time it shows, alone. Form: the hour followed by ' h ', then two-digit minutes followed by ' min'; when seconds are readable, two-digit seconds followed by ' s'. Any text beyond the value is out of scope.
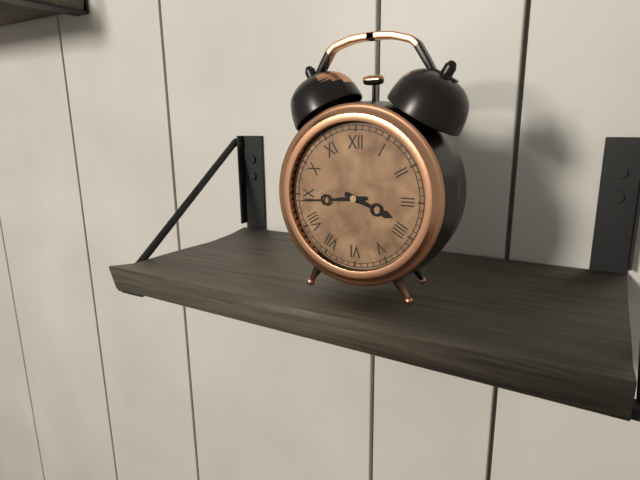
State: 3 h 44 min
